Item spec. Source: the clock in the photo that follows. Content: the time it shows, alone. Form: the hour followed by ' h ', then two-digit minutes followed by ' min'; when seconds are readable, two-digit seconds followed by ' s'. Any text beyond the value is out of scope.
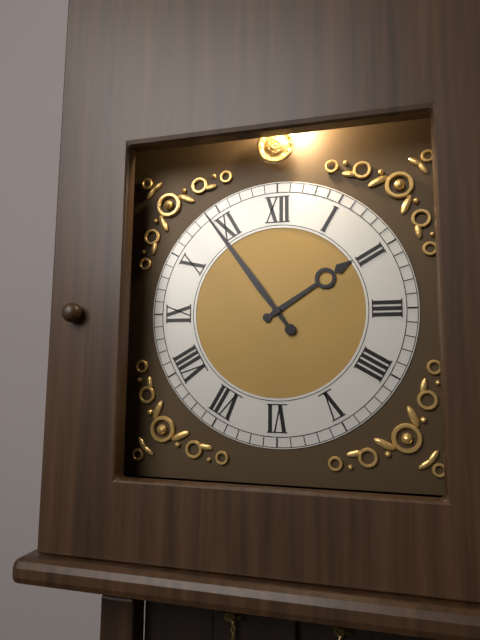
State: 1 h 54 min
